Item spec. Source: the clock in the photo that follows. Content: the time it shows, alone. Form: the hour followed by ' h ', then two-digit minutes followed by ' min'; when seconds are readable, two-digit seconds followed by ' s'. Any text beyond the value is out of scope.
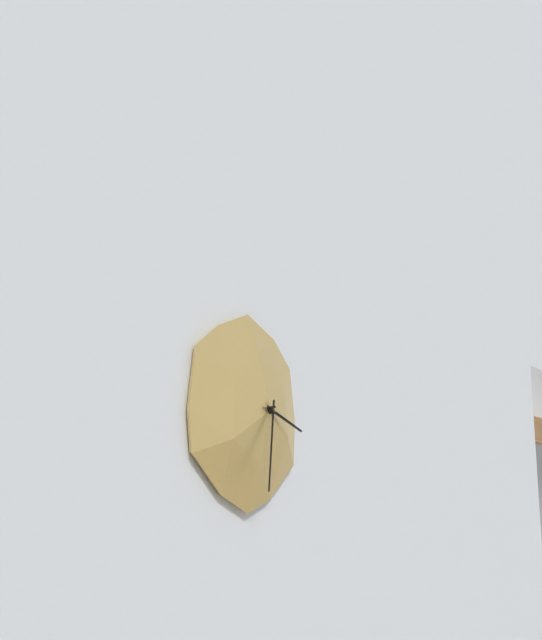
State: 3 h 31 min
